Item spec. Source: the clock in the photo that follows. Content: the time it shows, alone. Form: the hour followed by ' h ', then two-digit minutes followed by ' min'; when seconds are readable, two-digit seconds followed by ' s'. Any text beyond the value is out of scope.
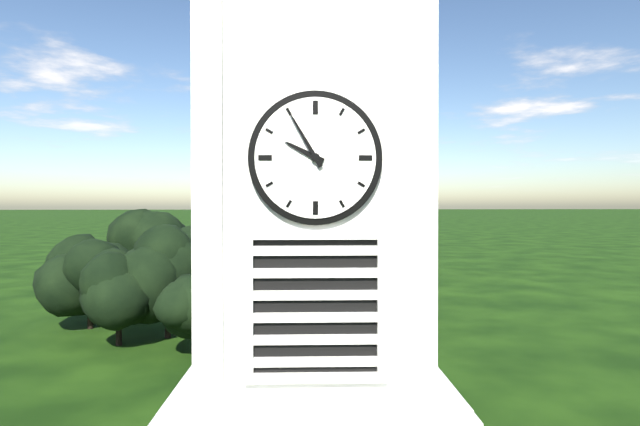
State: 9 h 55 min
